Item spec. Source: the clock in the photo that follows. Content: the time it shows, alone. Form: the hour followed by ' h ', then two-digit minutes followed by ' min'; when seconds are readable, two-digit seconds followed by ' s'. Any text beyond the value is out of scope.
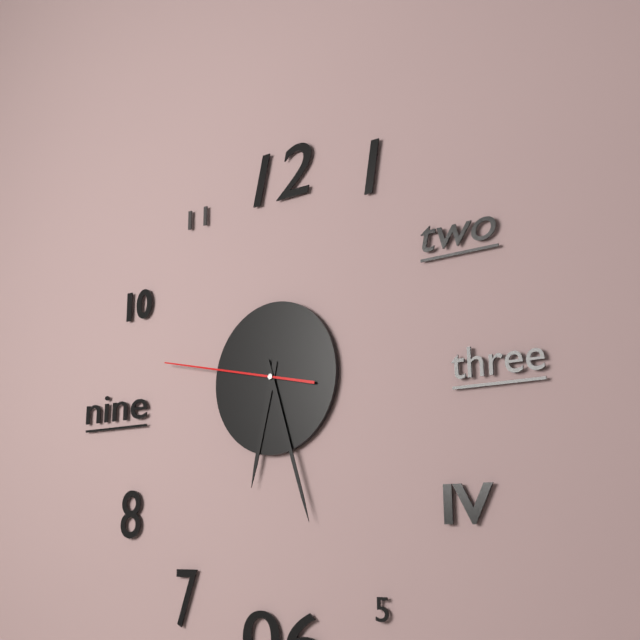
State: 6 h 27 min 47 s
